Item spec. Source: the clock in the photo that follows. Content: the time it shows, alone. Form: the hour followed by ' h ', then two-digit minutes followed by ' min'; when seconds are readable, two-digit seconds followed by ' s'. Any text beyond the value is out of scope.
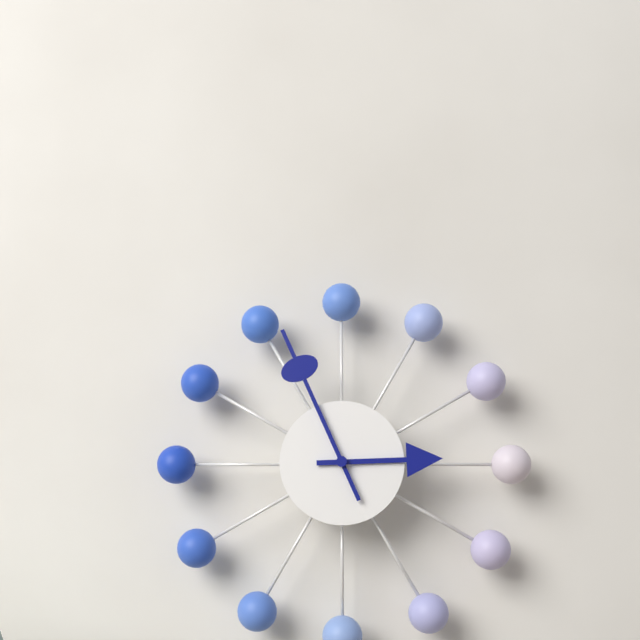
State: 2 h 56 min
